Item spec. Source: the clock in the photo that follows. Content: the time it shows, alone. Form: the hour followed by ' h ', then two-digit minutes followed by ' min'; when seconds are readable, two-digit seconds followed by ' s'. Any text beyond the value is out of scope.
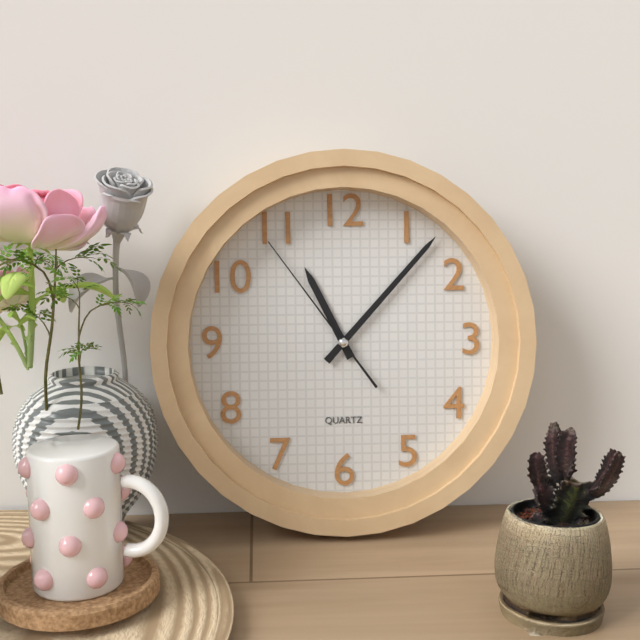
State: 11 h 07 min 54 s
